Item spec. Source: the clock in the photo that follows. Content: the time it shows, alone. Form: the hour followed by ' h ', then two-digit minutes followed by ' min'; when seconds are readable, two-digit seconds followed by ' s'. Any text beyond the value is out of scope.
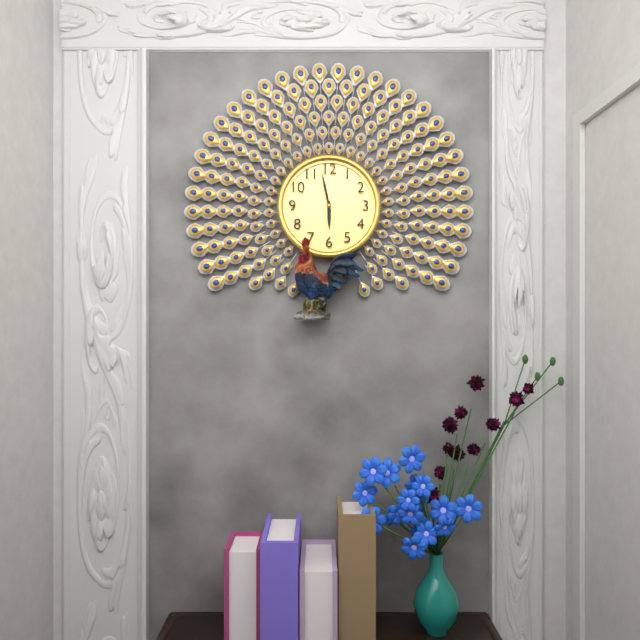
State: 5 h 58 min
